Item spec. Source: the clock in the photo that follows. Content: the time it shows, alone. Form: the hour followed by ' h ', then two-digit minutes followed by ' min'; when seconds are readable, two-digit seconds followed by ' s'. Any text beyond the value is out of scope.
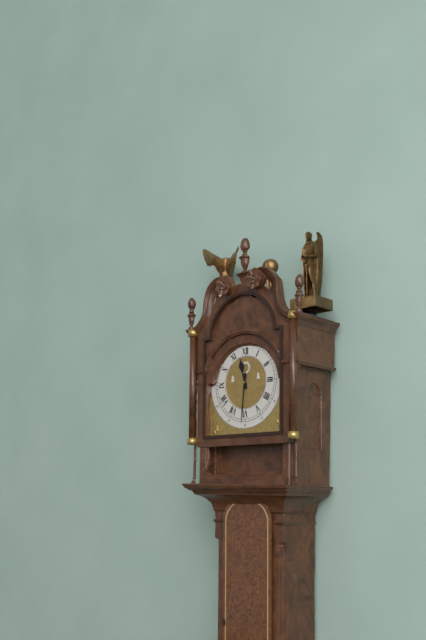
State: 11 h 31 min
